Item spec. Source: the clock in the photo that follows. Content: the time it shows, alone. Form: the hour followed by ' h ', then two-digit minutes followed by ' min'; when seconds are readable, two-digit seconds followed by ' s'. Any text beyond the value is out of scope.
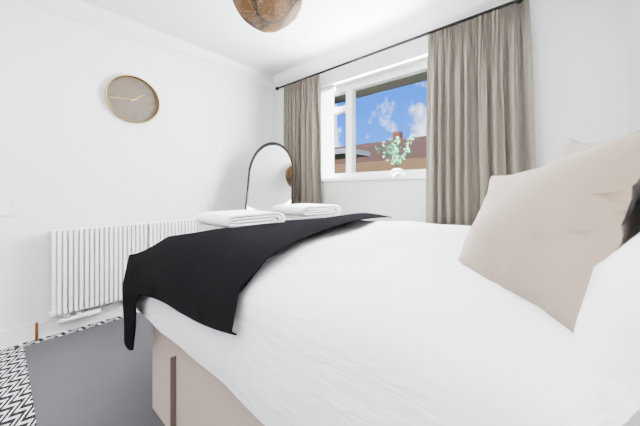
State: 1 h 44 min
